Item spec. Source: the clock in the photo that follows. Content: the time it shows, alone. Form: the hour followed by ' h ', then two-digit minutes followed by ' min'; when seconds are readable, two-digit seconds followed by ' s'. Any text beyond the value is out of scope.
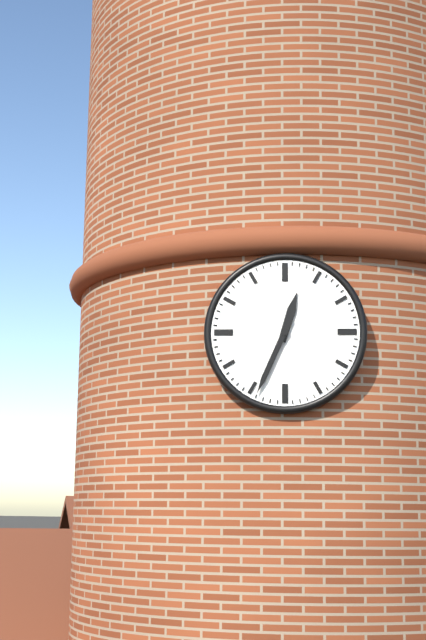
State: 12 h 34 min
